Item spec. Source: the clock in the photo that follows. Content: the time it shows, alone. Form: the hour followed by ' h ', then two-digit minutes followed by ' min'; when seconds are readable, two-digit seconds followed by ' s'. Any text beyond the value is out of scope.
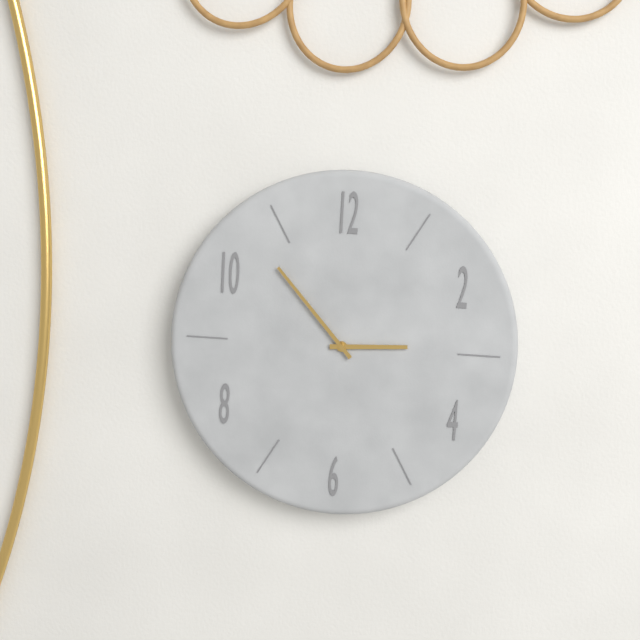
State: 2 h 53 min
